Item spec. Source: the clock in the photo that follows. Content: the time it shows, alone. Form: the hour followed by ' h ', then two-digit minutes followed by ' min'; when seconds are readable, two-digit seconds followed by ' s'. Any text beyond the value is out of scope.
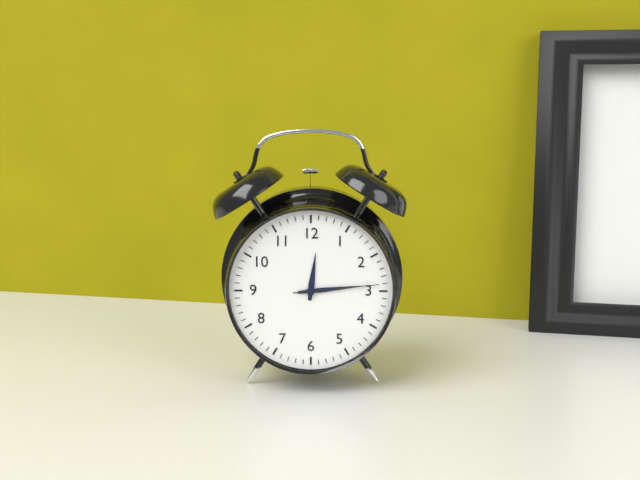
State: 12 h 14 min 14 s
